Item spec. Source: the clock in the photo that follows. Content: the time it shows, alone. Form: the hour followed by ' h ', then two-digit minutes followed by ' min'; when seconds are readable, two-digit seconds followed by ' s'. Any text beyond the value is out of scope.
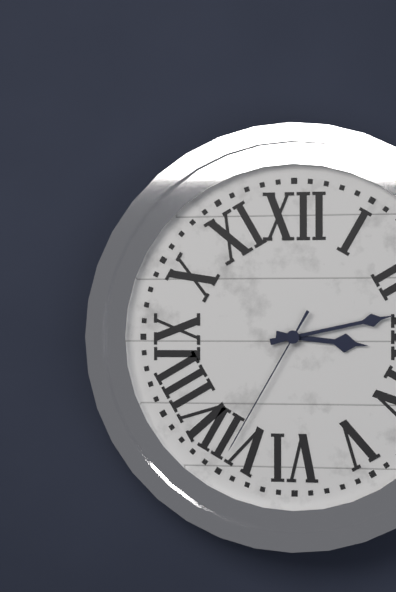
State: 3 h 13 min 35 s
